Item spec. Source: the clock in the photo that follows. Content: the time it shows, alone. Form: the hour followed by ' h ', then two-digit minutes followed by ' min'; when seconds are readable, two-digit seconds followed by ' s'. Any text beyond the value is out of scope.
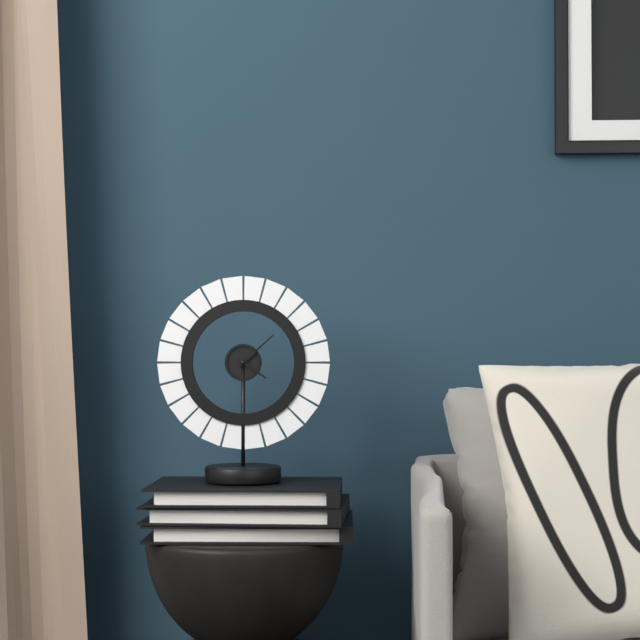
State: 4 h 08 min
